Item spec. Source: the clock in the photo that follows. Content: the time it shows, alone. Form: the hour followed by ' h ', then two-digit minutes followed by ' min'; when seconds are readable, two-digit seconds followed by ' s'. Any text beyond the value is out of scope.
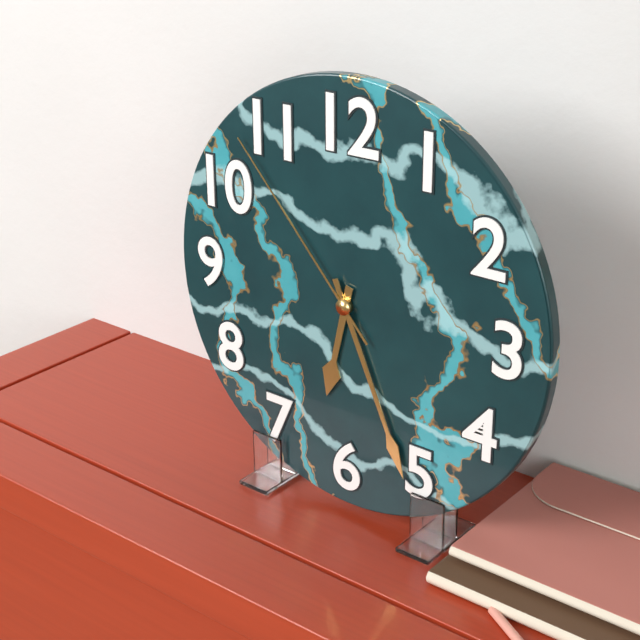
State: 6 h 26 min 53 s
